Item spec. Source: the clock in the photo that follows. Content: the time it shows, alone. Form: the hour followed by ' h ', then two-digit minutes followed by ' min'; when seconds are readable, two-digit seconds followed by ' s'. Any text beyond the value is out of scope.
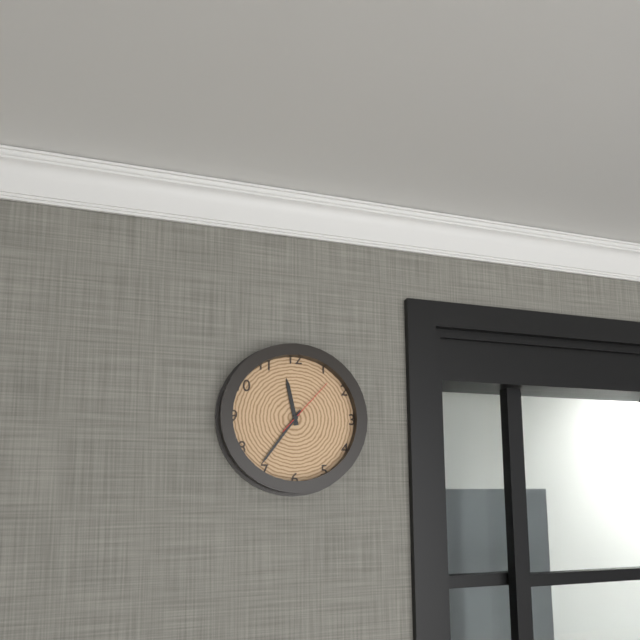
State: 11 h 36 min 07 s
